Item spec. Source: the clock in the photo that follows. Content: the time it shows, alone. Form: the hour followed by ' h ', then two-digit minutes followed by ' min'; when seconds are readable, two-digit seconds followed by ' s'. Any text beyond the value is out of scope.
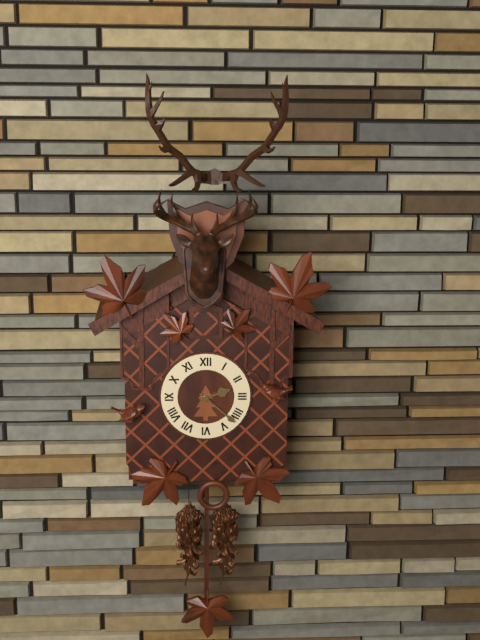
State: 2 h 22 min
